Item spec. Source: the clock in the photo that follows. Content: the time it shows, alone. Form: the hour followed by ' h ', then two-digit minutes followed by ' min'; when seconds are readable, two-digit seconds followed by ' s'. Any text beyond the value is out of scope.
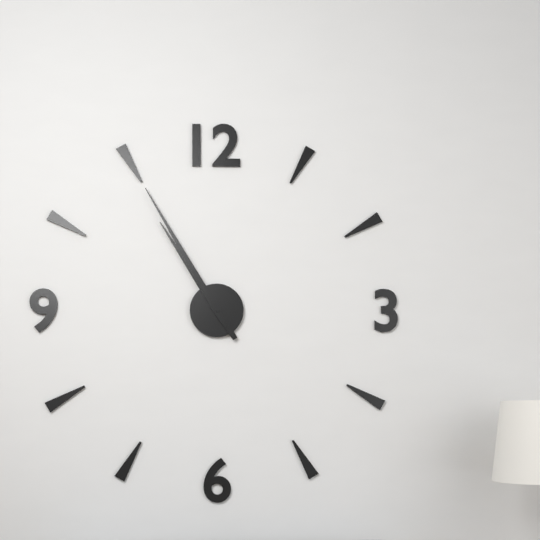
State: 10 h 55 min
